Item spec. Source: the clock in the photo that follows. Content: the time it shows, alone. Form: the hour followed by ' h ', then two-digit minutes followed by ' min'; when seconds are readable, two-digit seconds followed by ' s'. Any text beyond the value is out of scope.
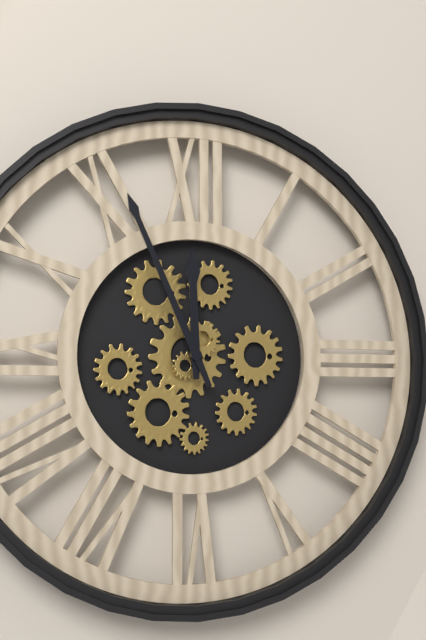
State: 11 h 56 min
